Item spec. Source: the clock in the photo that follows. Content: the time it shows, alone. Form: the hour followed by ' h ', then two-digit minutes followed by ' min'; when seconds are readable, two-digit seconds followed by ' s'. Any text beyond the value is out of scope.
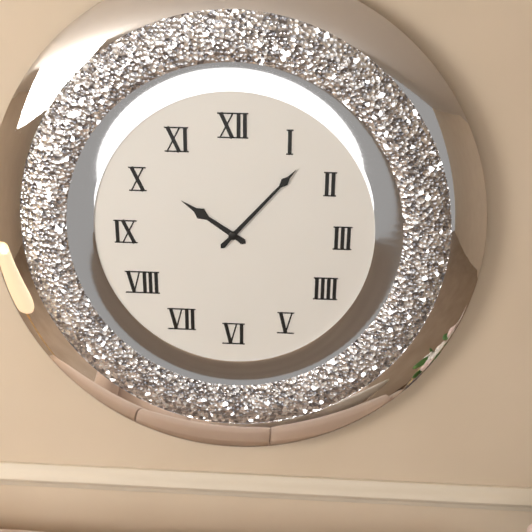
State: 10 h 07 min
